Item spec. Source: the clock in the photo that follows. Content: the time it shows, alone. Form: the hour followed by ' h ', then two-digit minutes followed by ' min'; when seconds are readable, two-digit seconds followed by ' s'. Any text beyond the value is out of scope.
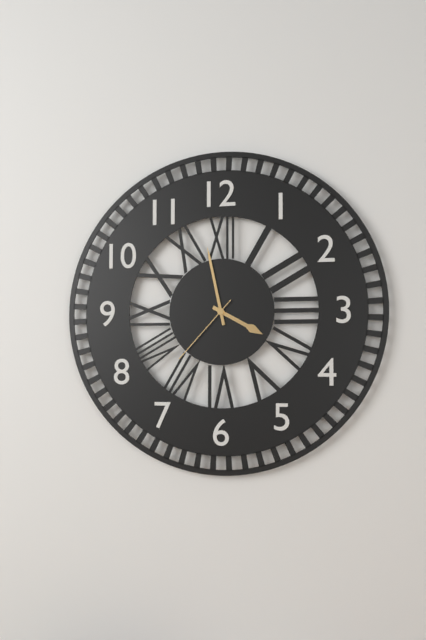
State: 3 h 58 min 37 s
